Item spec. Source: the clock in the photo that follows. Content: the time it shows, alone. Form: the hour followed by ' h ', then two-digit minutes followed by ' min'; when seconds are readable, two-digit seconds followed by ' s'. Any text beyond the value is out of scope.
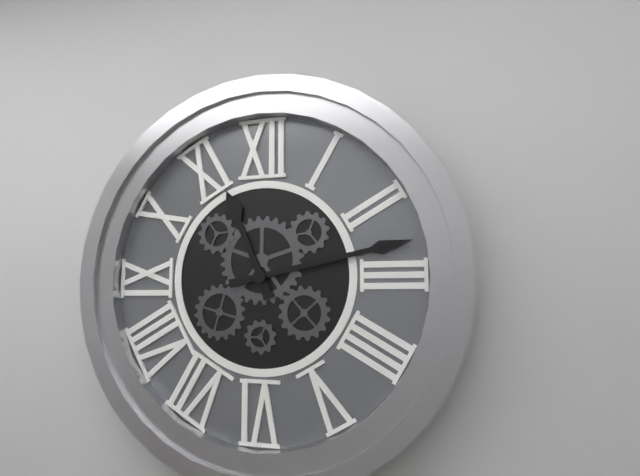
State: 11 h 13 min
